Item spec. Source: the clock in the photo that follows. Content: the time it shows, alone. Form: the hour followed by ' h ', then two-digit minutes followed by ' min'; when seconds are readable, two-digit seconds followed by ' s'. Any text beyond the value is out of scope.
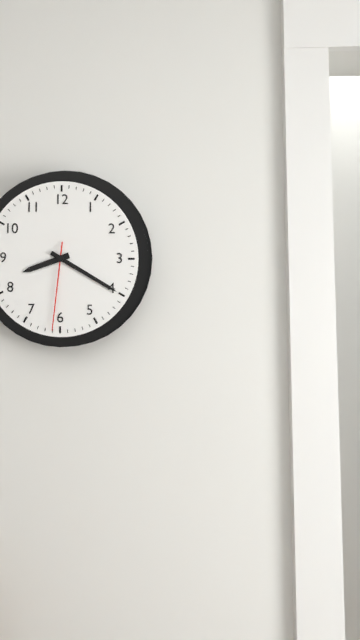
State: 8 h 20 min 31 s
